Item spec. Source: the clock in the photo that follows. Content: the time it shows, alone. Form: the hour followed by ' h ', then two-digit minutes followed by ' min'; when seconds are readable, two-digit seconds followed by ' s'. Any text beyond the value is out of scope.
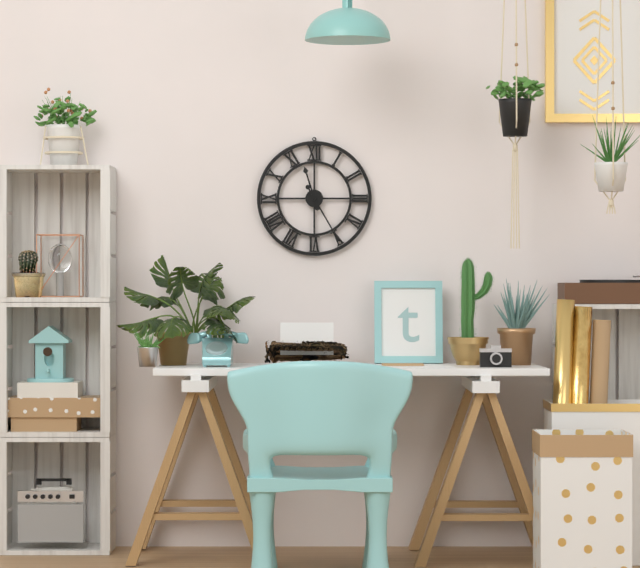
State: 11 h 25 min
